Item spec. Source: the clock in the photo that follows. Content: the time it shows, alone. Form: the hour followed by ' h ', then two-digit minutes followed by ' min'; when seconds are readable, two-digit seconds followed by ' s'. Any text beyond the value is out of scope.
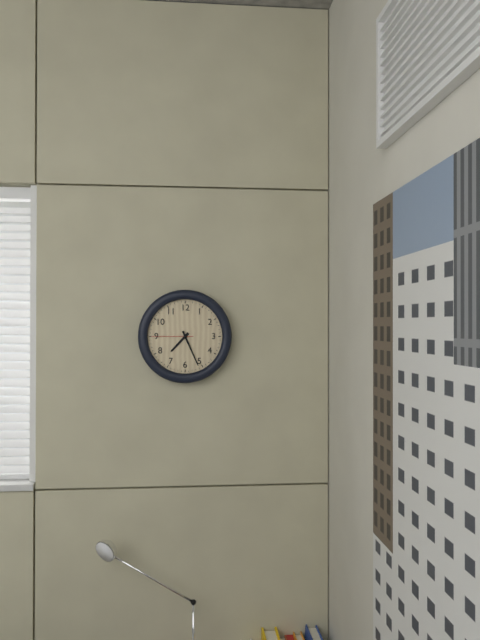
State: 7 h 26 min
